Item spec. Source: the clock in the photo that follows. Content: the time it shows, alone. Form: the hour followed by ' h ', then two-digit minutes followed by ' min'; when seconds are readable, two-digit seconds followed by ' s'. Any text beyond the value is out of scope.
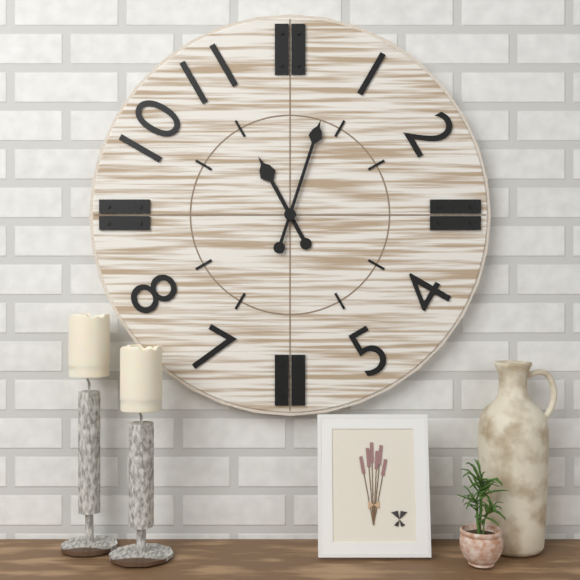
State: 11 h 03 min
